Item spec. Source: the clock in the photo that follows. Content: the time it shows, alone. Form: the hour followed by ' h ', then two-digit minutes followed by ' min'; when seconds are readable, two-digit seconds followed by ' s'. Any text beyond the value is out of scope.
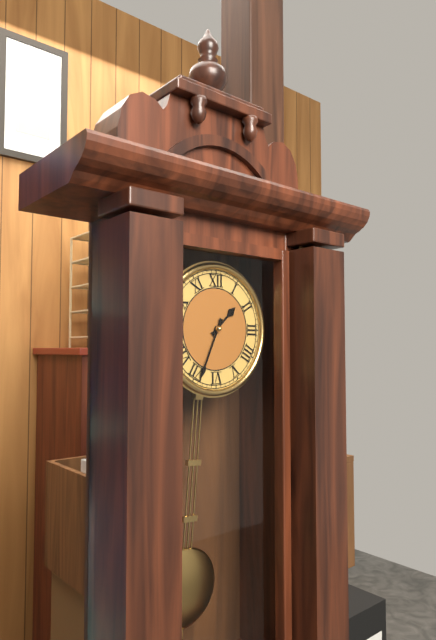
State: 1 h 34 min
